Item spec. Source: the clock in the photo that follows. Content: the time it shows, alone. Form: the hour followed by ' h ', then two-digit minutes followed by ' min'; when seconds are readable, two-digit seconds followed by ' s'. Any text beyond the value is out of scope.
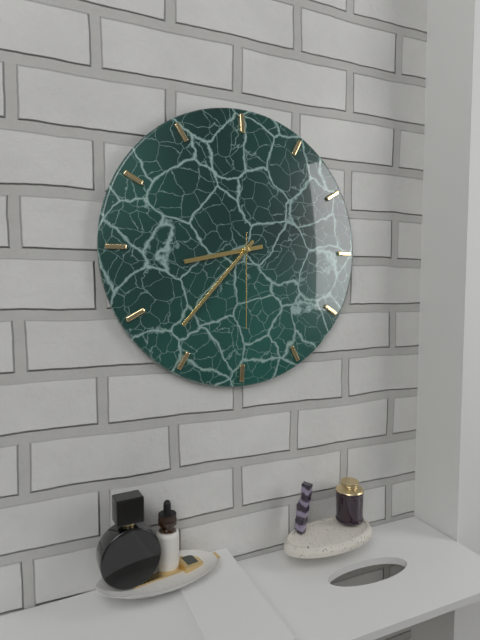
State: 8 h 37 min 30 s
